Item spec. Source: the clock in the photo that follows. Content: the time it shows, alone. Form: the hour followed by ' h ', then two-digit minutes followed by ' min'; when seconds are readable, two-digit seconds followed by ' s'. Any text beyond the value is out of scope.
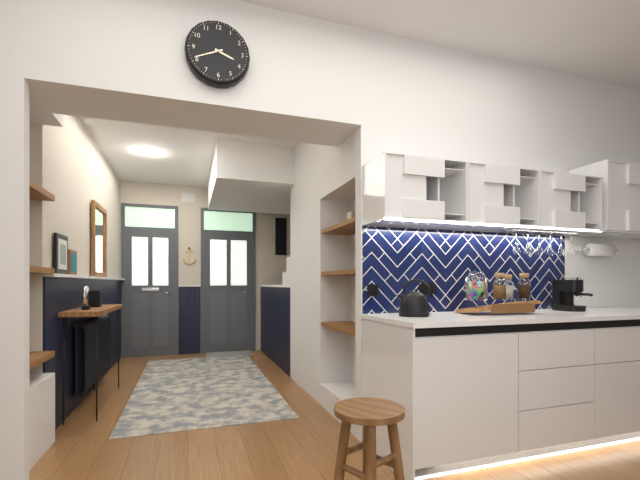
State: 3 h 41 min
